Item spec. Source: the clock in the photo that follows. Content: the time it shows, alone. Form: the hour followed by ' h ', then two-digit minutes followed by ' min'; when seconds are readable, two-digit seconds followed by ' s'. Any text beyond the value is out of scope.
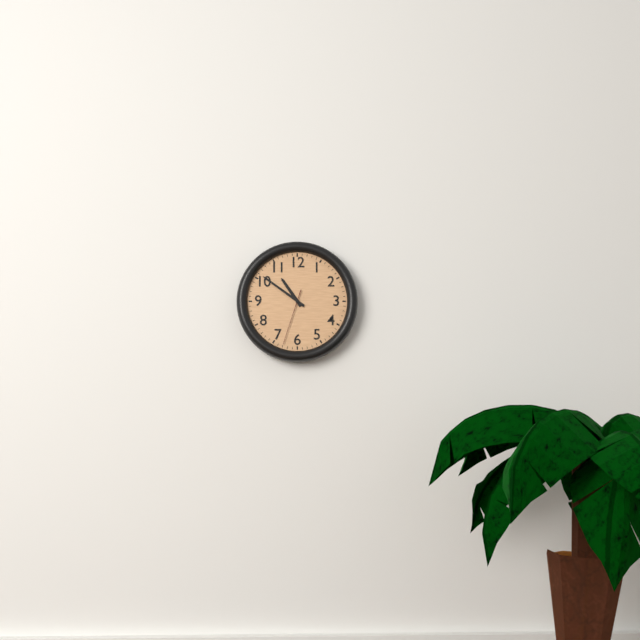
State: 10 h 51 min 33 s
